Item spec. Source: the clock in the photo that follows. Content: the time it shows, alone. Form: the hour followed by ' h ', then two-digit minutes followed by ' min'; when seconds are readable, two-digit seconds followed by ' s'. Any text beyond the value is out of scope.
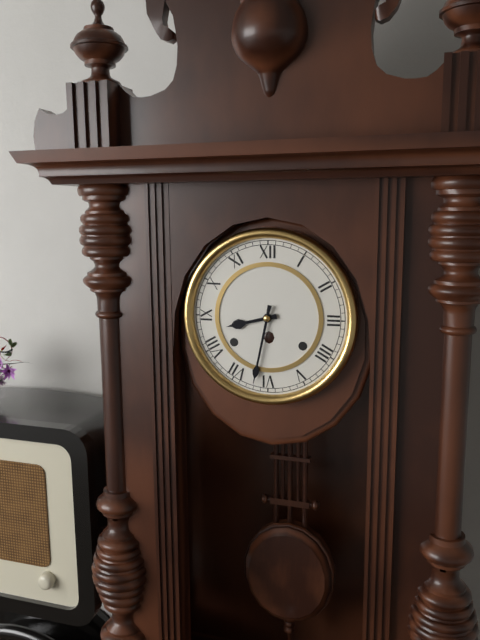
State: 8 h 32 min
